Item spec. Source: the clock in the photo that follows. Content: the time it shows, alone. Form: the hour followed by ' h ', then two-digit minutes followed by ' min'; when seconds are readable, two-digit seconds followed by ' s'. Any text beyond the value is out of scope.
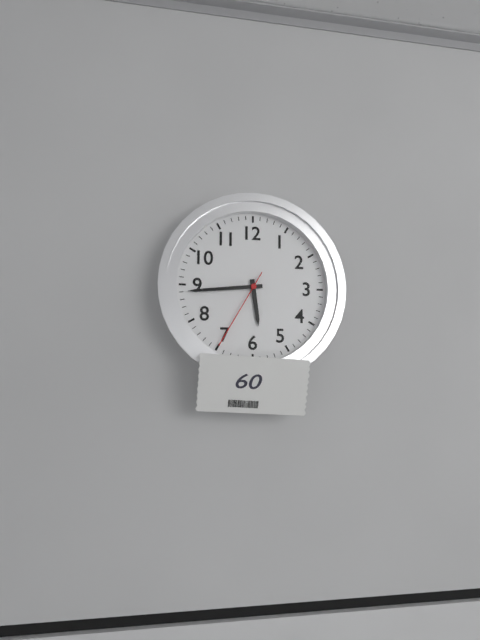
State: 5 h 44 min 35 s
